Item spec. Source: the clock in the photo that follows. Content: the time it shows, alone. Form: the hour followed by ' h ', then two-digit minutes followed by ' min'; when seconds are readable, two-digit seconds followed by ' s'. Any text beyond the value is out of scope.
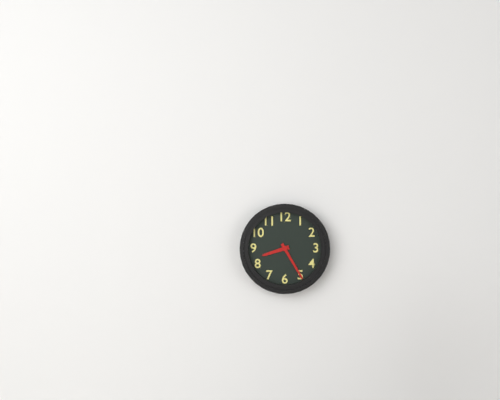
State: 8 h 25 min
